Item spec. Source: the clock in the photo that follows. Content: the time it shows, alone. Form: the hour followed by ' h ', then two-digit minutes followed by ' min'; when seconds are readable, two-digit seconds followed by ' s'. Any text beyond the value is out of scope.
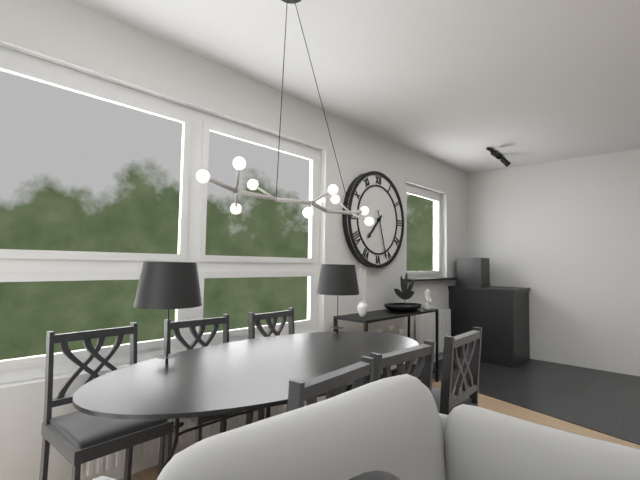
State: 7 h 27 min
